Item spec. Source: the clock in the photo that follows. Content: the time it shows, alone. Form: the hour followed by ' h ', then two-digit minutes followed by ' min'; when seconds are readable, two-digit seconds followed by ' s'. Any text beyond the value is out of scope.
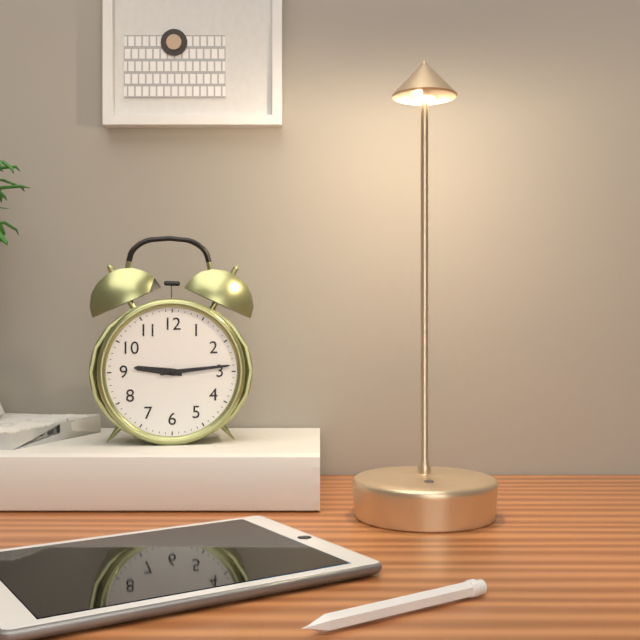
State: 9 h 14 min
